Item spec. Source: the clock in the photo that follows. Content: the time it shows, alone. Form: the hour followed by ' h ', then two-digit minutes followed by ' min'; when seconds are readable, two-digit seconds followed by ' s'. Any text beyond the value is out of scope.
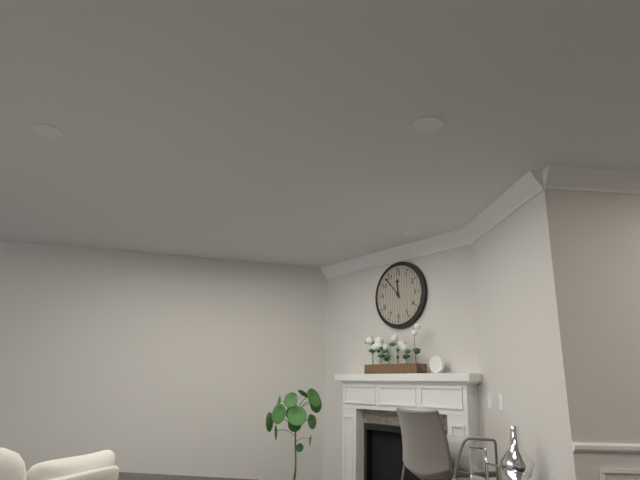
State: 11 h 53 min
